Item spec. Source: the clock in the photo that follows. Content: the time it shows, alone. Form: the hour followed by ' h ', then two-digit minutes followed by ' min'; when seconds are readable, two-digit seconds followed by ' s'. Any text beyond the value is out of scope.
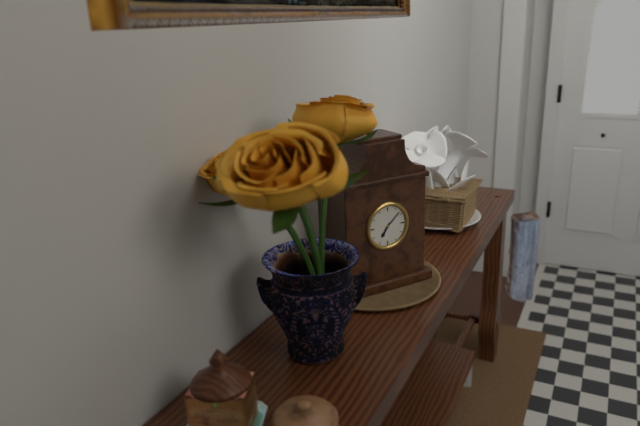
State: 7 h 08 min
